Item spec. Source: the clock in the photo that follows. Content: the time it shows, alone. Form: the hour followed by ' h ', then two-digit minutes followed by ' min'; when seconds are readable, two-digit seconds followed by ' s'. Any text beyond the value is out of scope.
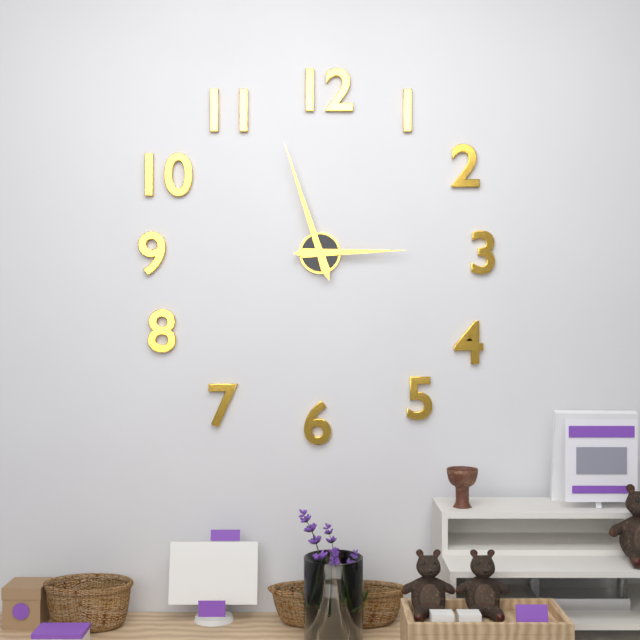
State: 2 h 57 min
